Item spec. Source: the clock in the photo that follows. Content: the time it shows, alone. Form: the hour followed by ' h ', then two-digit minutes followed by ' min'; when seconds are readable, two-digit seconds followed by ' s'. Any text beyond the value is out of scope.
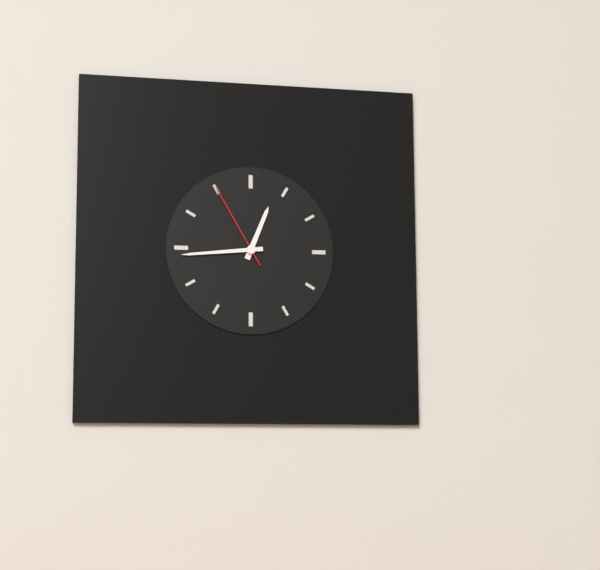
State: 12 h 44 min 55 s
